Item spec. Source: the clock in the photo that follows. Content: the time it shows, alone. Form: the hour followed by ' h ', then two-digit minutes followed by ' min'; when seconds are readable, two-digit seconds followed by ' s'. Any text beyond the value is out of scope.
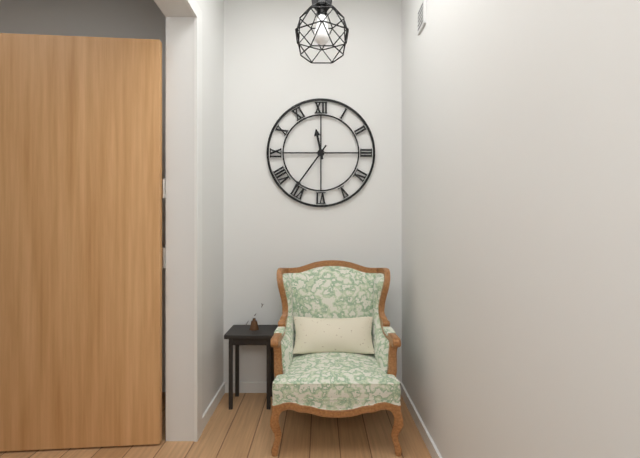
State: 11 h 36 min
